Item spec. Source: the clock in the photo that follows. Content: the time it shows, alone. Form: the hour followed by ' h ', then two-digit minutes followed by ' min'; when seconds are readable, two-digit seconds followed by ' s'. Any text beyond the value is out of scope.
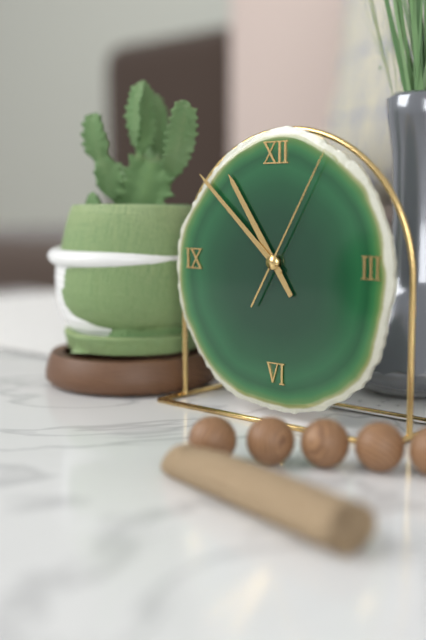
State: 10 h 52 min 05 s
